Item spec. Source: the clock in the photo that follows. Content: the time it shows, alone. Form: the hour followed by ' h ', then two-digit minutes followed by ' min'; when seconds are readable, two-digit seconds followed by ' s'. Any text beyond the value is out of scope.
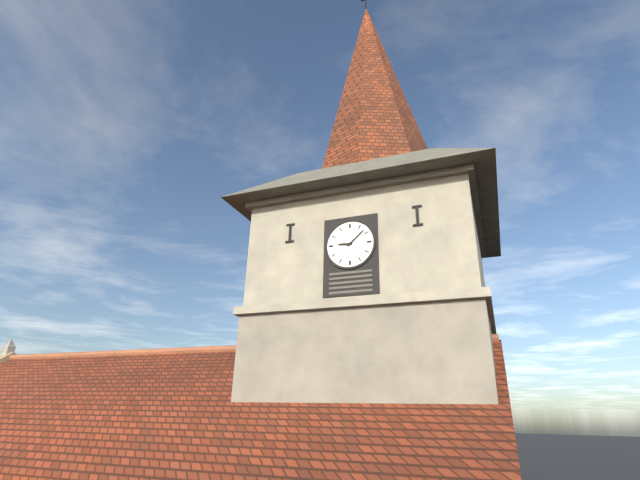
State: 9 h 08 min
